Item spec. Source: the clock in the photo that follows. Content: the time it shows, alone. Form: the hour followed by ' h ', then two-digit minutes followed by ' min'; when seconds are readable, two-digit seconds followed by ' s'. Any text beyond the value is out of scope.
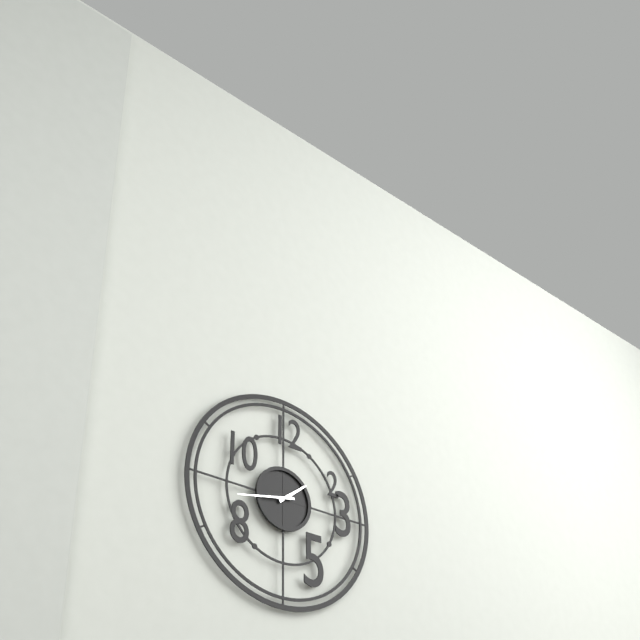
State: 1 h 43 min
